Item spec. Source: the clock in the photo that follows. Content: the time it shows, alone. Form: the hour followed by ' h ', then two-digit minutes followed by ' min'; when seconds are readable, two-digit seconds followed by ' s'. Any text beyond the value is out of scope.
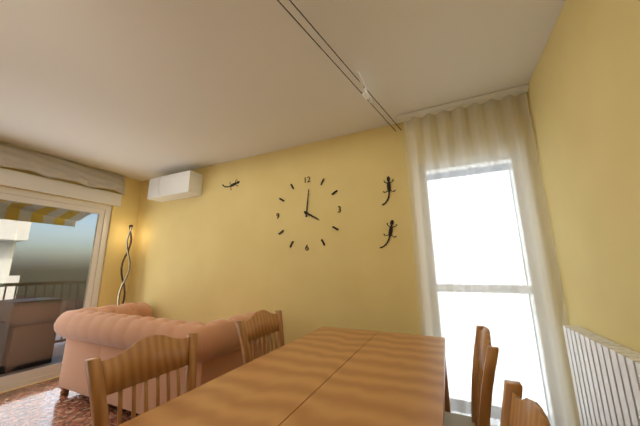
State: 4 h 01 min
